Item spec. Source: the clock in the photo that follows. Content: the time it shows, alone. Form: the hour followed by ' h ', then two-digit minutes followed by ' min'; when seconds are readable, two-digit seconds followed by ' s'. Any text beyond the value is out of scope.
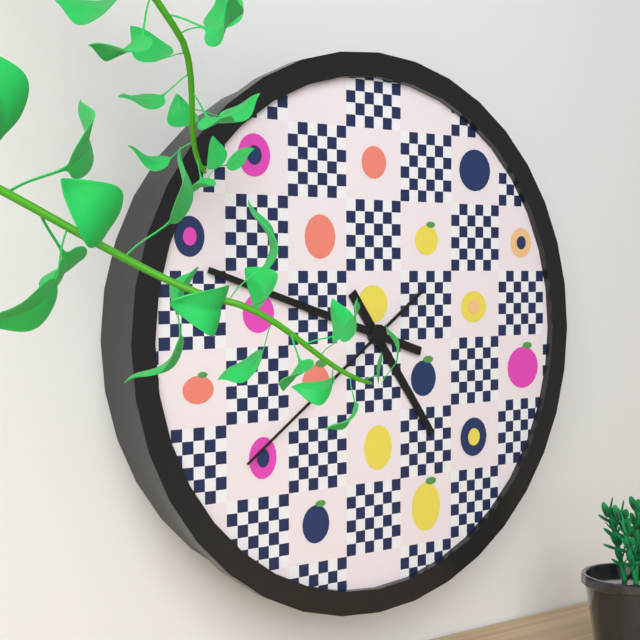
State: 4 h 48 min 39 s
